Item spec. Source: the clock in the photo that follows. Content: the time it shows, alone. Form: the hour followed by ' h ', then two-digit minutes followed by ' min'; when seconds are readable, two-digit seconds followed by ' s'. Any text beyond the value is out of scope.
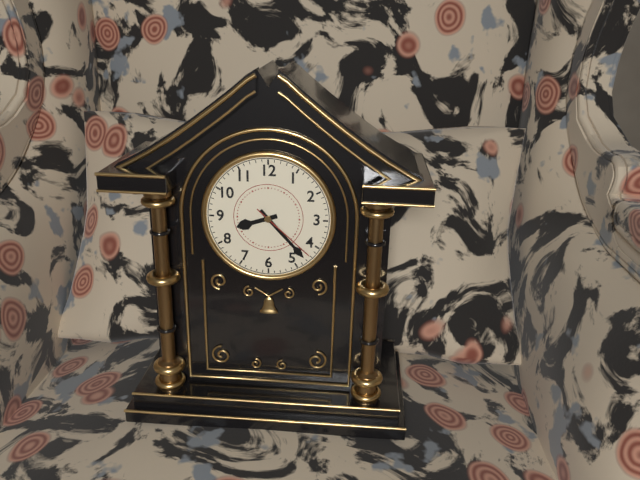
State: 8 h 23 min 22 s
